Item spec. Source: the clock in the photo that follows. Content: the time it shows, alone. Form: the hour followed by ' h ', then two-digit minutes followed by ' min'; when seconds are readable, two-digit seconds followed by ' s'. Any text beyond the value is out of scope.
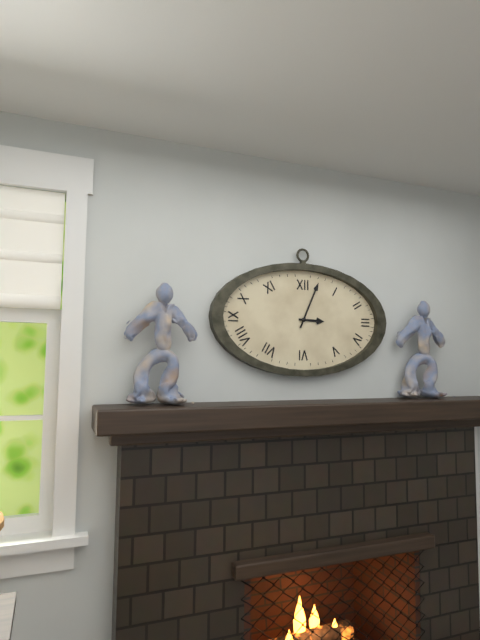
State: 3 h 04 min
